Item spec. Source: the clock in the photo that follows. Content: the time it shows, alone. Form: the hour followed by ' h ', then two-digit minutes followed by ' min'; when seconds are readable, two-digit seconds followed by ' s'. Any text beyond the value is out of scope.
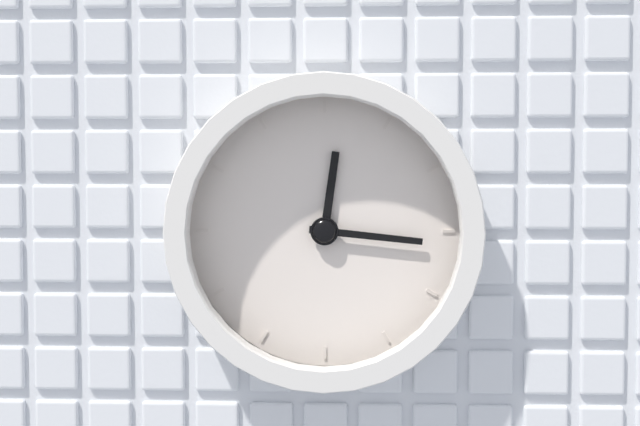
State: 12 h 16 min
